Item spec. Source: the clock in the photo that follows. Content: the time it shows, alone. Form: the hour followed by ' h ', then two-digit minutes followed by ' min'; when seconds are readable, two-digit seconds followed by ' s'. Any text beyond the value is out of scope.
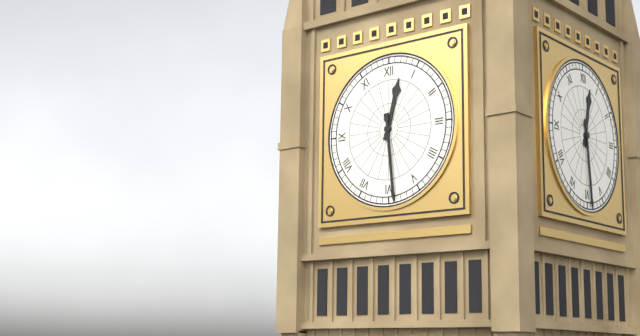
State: 12 h 29 min
